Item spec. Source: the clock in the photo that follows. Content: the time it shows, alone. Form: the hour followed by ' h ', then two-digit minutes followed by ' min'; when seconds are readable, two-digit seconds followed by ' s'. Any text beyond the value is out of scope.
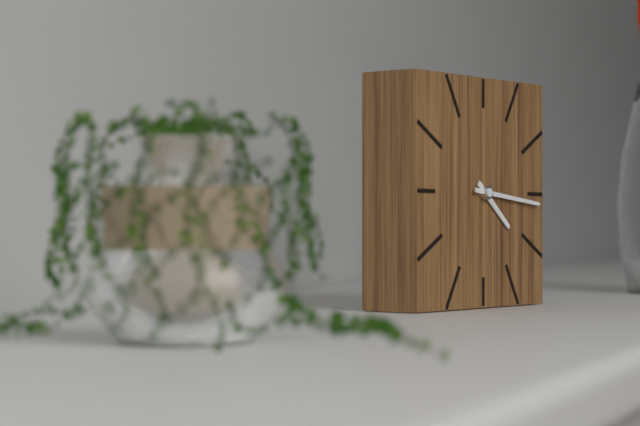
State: 4 h 16 min
